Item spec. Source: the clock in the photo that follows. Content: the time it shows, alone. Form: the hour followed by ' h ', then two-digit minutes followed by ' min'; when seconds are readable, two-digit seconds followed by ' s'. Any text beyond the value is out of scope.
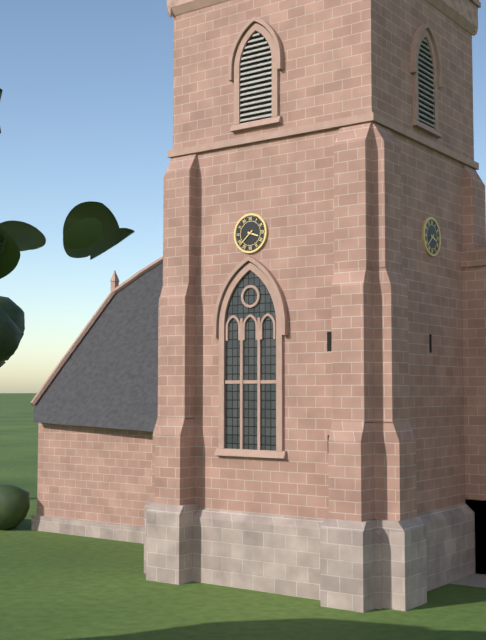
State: 3 h 38 min
